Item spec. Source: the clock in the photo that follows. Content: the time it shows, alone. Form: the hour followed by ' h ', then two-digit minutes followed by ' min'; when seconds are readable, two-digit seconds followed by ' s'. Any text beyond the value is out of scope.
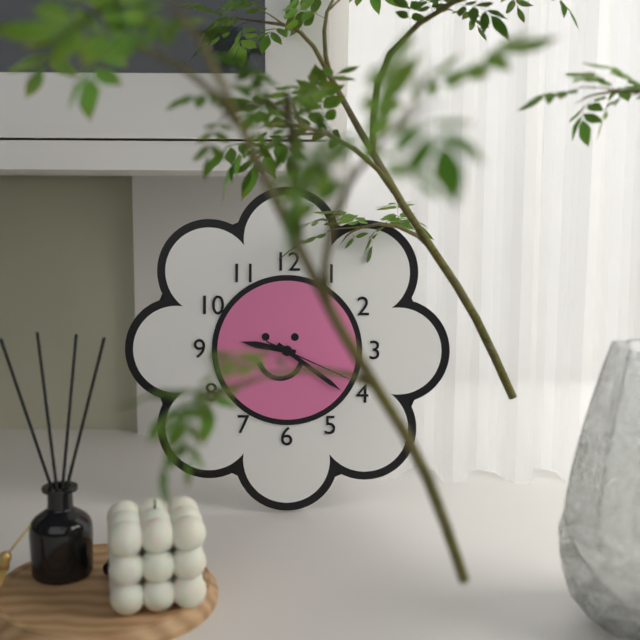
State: 9 h 21 min 19 s
